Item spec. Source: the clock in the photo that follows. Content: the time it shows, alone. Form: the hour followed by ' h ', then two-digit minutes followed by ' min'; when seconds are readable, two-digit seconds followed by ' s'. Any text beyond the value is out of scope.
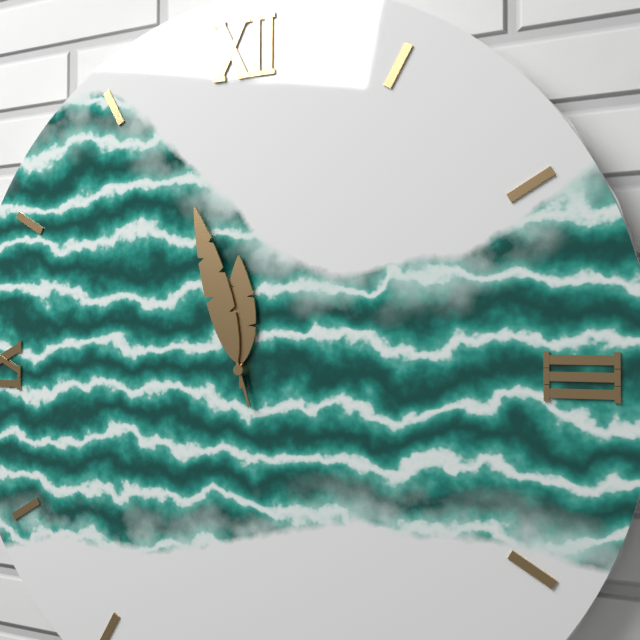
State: 11 h 57 min
